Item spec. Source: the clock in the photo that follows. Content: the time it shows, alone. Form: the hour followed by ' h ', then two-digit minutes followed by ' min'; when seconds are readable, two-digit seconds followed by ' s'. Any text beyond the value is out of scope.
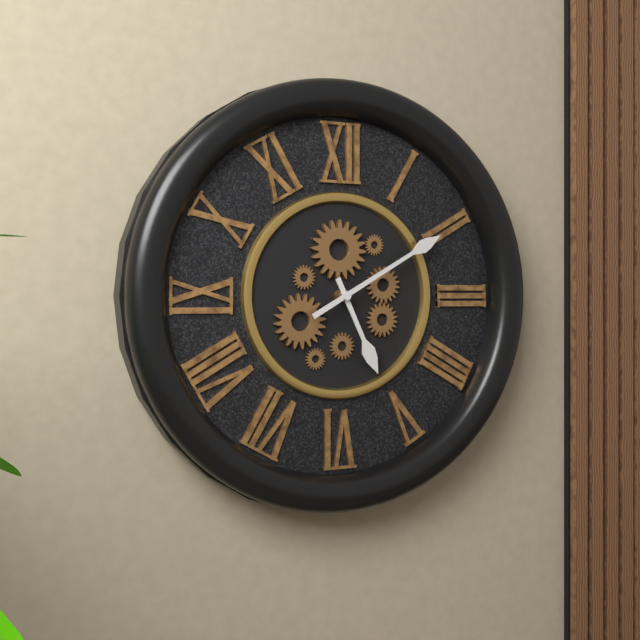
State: 5 h 10 min
